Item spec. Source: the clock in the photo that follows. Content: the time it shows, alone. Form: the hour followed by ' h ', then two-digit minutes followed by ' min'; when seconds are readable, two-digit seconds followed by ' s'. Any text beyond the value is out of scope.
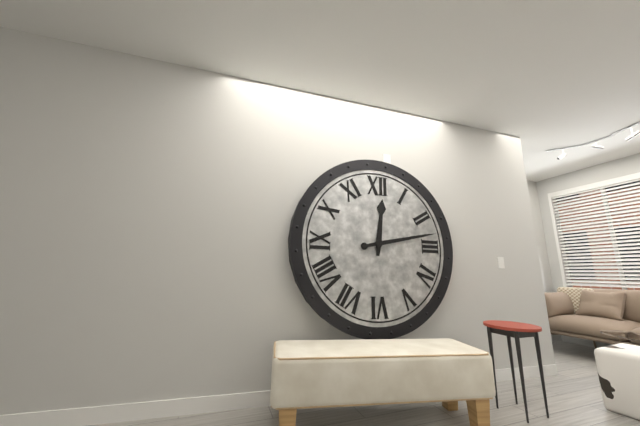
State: 12 h 13 min
